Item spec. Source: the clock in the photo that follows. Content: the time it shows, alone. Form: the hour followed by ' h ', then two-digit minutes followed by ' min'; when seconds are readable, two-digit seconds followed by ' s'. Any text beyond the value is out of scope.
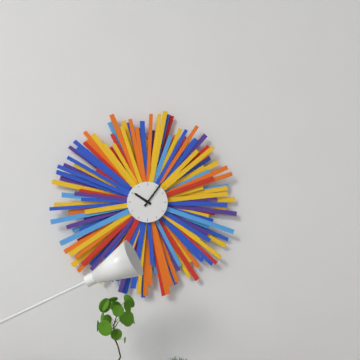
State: 10 h 06 min
